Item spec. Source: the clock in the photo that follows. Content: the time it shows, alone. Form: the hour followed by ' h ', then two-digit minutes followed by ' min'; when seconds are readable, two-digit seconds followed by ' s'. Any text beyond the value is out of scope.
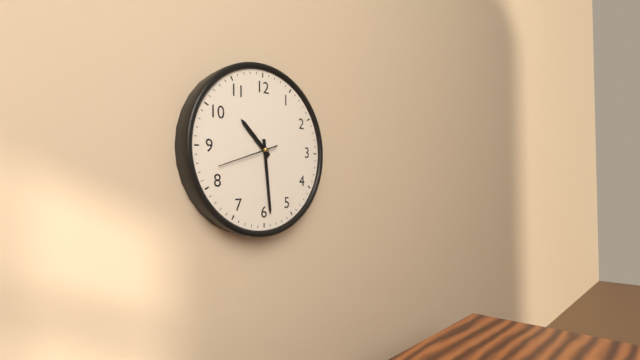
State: 10 h 29 min 42 s
